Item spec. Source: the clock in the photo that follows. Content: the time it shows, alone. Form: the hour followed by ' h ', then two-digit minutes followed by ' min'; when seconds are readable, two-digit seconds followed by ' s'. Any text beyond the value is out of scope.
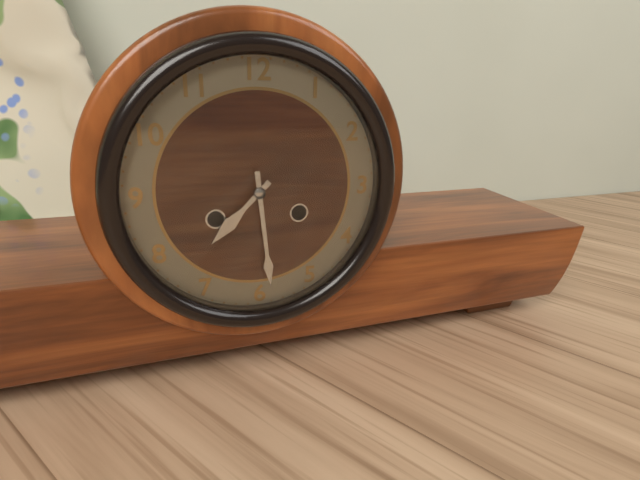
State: 7 h 29 min
